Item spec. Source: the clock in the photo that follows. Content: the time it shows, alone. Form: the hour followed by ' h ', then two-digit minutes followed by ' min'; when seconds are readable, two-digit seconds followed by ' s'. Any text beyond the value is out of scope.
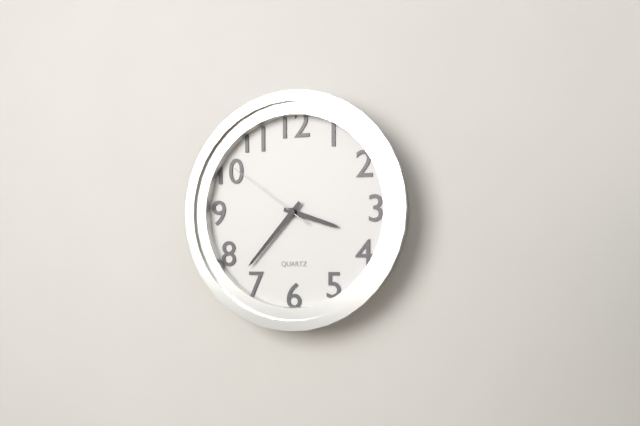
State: 3 h 37 min 51 s
